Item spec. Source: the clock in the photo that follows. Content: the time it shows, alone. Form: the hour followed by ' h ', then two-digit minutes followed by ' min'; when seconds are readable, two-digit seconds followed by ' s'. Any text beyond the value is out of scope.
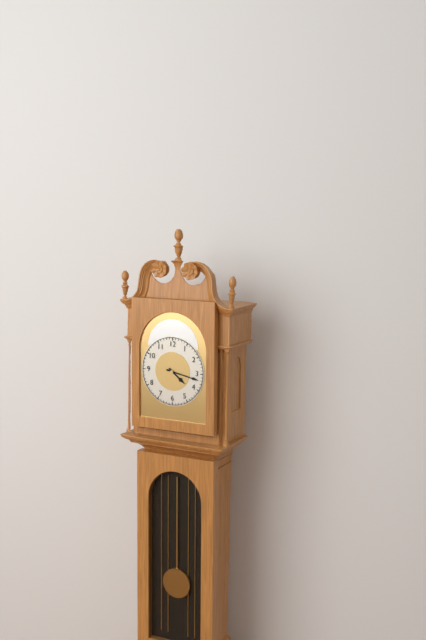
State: 4 h 17 min
